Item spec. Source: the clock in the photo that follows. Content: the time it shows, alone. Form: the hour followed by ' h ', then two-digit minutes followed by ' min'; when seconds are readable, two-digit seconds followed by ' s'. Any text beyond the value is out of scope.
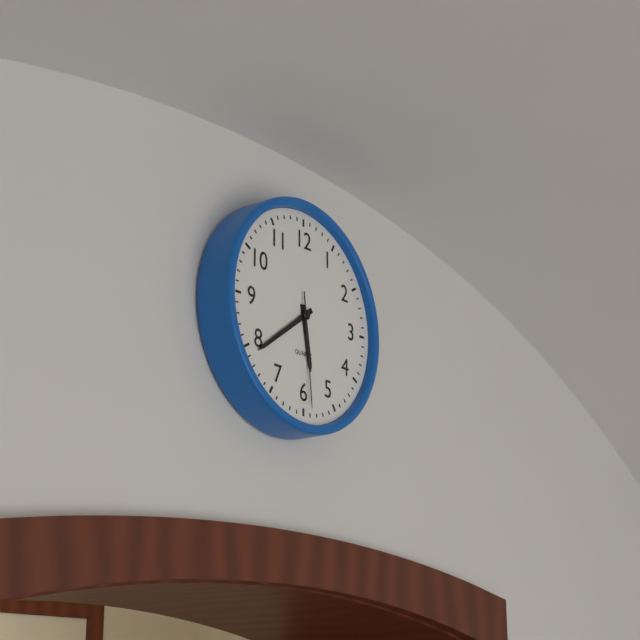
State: 5 h 39 min 29 s
